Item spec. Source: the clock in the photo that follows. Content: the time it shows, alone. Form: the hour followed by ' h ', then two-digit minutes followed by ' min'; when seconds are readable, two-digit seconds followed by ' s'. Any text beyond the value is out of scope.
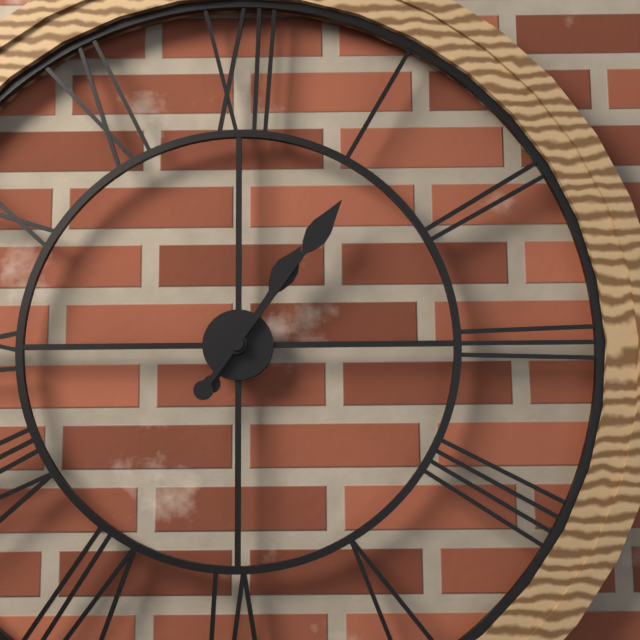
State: 1 h 06 min
